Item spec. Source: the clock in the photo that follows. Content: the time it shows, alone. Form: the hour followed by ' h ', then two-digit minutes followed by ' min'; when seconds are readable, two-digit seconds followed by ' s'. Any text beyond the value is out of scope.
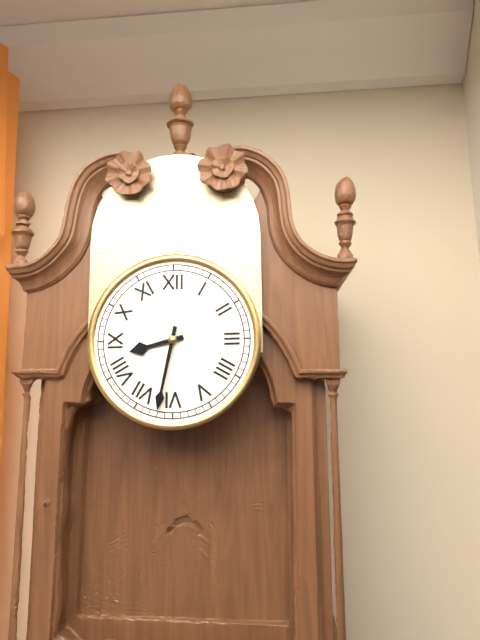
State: 8 h 32 min
